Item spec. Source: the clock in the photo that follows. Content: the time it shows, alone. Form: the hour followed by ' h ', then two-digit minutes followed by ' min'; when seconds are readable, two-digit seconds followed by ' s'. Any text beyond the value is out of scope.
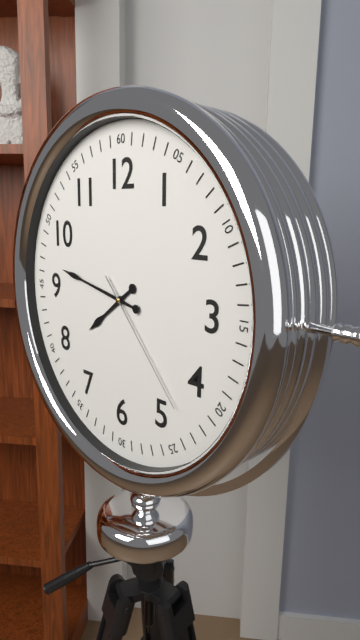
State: 7 h 47 min 23 s
